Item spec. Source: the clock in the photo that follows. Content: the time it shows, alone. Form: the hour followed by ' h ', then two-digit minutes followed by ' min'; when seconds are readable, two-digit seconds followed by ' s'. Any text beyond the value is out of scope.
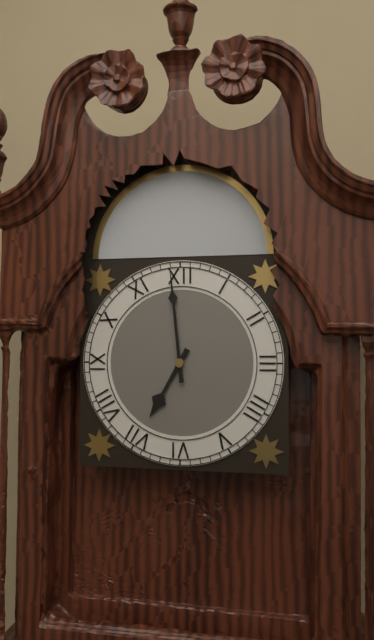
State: 6 h 59 min
